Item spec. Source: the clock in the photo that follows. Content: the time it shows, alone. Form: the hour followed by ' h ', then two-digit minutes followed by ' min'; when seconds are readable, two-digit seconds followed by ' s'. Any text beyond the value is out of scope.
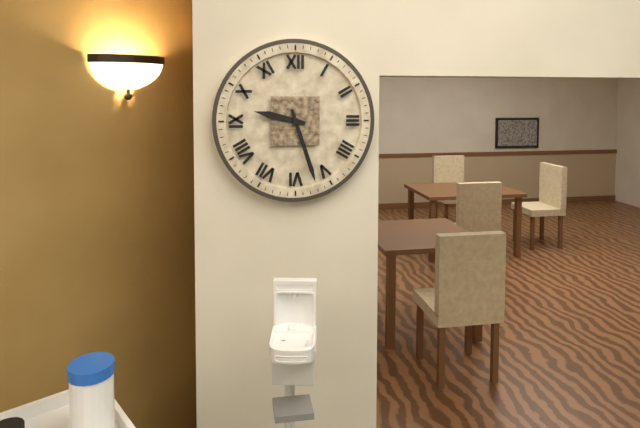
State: 9 h 27 min
